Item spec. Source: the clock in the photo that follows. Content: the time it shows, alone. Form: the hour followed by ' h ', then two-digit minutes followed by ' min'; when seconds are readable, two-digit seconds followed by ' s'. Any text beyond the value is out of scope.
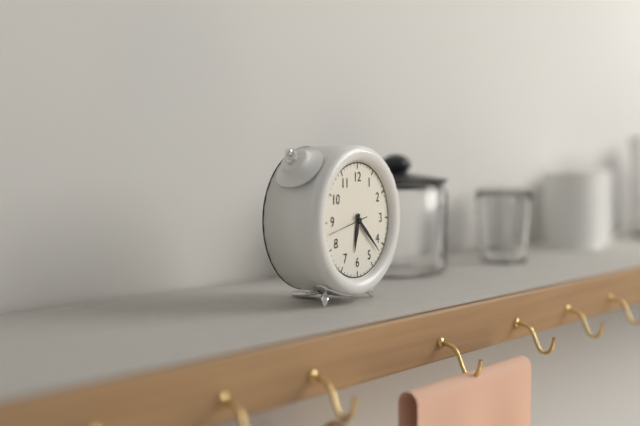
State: 6 h 22 min
